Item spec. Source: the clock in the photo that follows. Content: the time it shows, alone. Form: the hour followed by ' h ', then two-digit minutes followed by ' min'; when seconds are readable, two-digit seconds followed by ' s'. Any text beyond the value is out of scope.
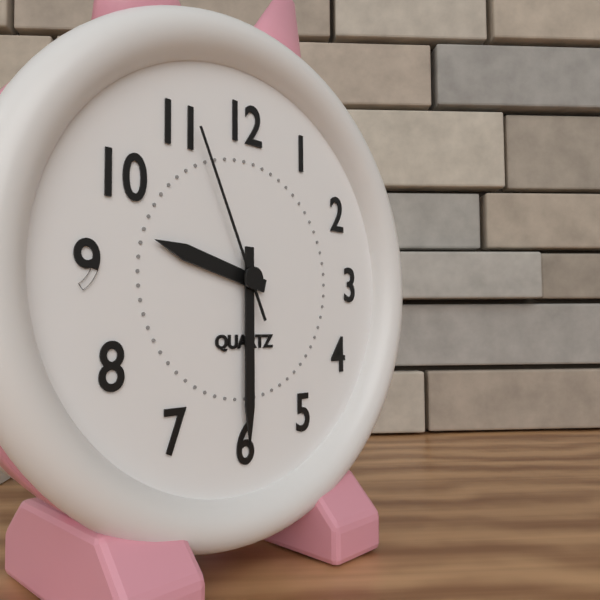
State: 9 h 30 min 56 s
